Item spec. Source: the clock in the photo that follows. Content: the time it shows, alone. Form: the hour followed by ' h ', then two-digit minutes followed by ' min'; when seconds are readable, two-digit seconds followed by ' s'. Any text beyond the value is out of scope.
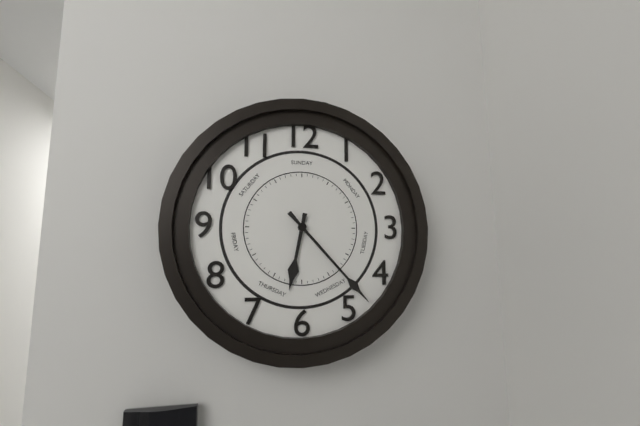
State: 6 h 23 min
